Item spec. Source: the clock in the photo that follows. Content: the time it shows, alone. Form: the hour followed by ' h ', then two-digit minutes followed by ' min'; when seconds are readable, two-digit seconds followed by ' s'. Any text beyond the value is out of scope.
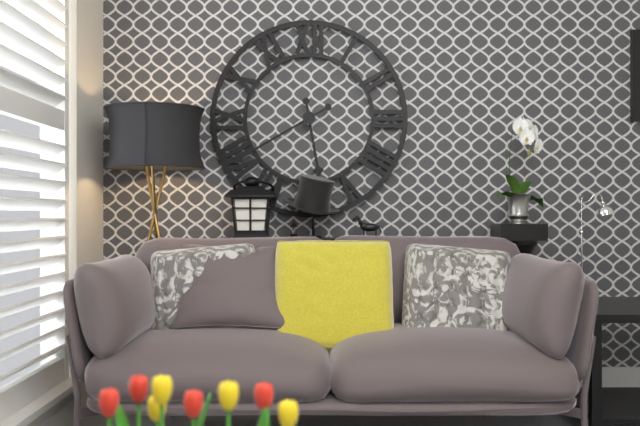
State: 5 h 40 min
